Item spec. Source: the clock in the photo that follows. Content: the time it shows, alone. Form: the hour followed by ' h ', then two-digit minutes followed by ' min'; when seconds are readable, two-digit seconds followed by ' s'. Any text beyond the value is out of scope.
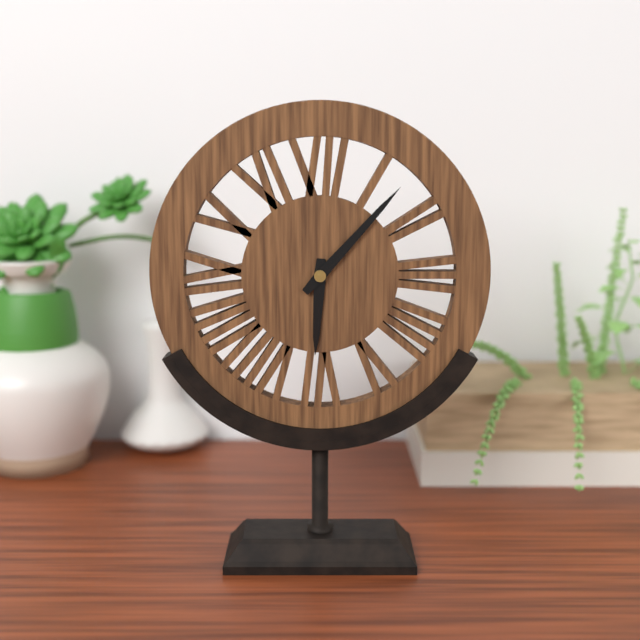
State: 6 h 07 min
